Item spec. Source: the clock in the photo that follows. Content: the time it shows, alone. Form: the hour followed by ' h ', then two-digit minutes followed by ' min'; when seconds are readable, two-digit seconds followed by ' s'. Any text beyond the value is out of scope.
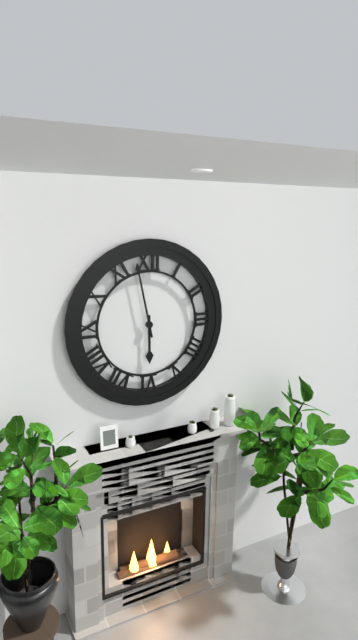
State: 5 h 58 min
